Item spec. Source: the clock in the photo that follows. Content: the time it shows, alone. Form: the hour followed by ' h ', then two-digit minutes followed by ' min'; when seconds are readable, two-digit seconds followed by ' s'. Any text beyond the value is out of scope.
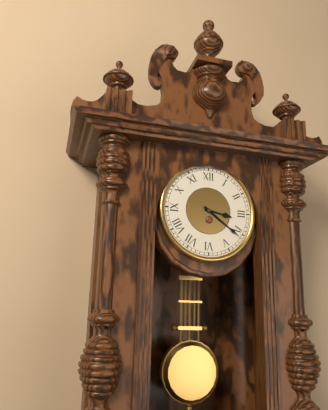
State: 3 h 21 min
